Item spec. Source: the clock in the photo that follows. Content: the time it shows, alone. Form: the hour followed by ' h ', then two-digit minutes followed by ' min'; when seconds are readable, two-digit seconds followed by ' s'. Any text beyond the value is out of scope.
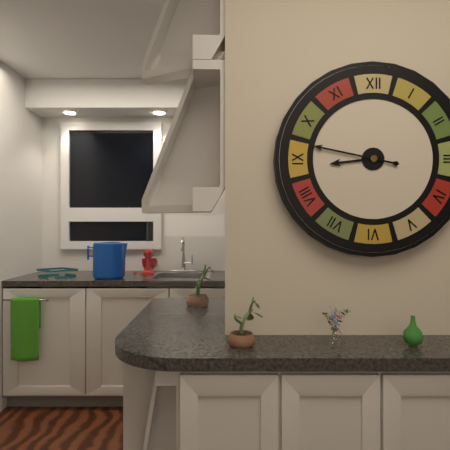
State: 8 h 47 min
